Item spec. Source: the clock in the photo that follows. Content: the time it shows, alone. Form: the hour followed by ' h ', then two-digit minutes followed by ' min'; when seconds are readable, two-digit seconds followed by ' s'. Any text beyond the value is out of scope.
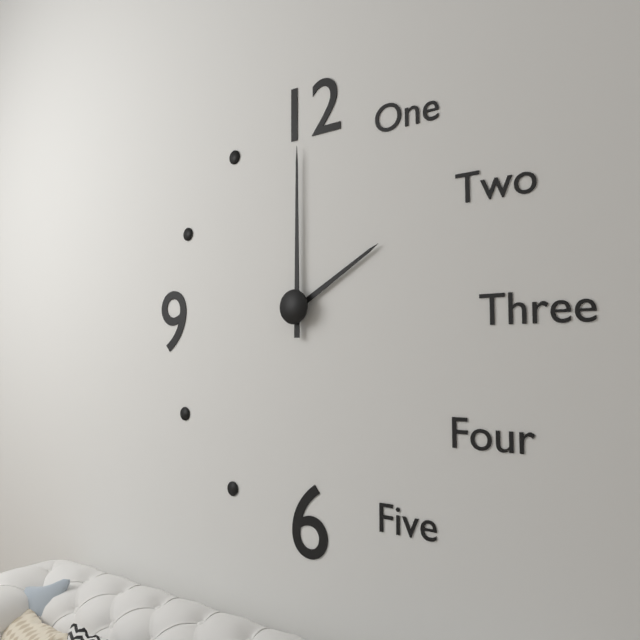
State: 2 h 00 min
